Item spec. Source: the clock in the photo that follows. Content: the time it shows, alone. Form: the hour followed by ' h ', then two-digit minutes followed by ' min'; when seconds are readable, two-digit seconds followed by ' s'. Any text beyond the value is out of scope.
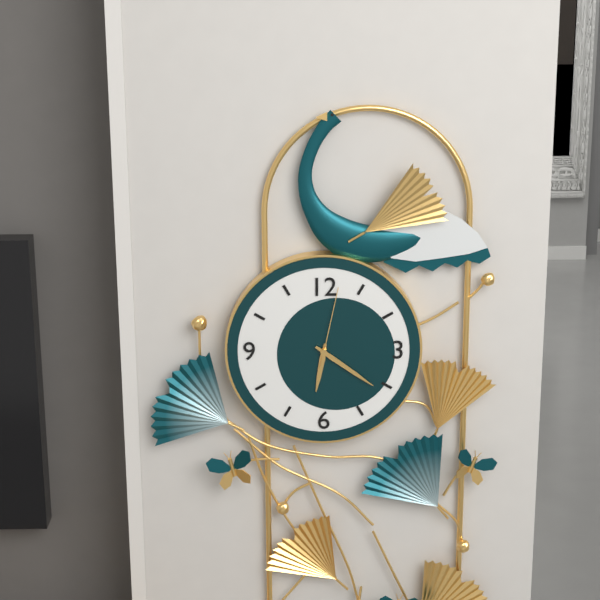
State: 6 h 21 min 02 s
